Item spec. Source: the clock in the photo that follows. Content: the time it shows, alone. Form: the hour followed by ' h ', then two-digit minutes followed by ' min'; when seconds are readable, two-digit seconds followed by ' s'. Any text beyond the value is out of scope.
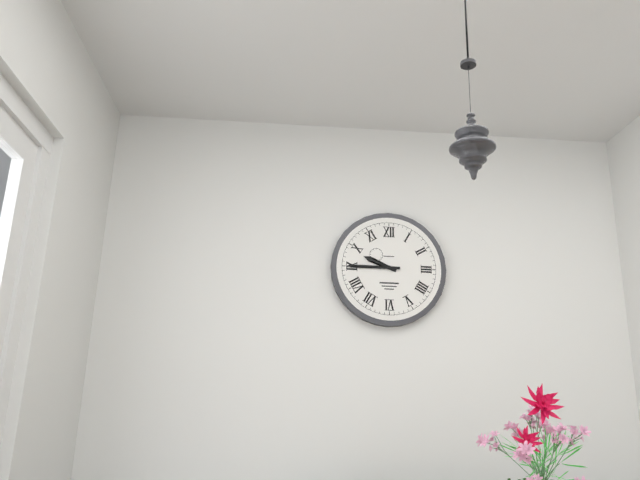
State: 9 h 45 min
